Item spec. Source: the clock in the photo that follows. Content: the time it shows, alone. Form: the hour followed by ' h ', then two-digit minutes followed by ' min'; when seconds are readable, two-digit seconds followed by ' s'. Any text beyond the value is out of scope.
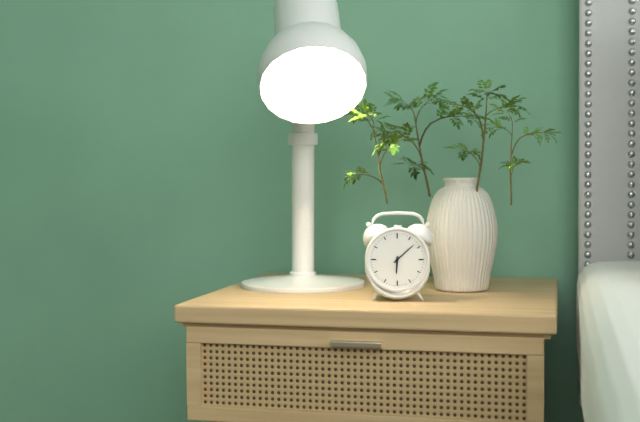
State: 6 h 08 min
